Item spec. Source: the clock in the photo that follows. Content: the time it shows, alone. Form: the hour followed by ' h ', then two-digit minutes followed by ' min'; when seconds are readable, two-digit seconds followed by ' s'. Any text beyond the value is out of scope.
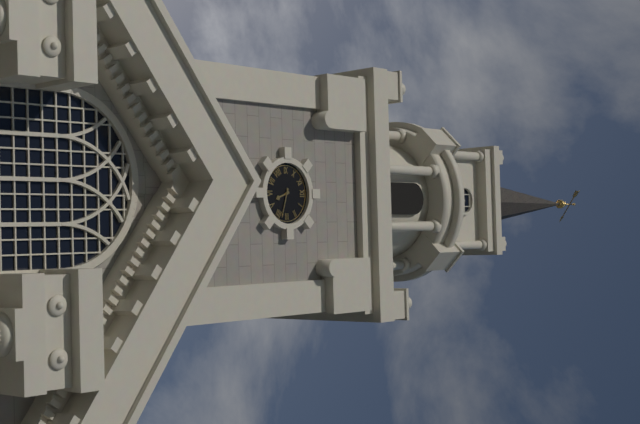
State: 5 h 18 min
